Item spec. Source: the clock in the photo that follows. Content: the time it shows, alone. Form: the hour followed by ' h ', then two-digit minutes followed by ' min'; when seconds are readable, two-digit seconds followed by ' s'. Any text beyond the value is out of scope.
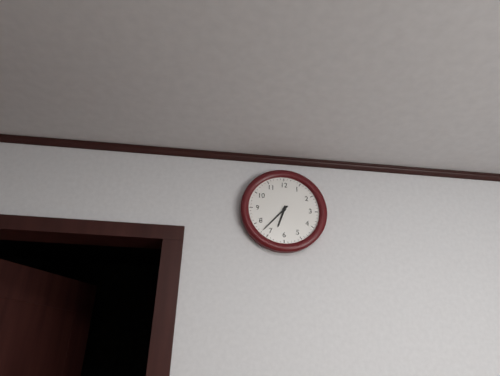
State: 6 h 37 min
